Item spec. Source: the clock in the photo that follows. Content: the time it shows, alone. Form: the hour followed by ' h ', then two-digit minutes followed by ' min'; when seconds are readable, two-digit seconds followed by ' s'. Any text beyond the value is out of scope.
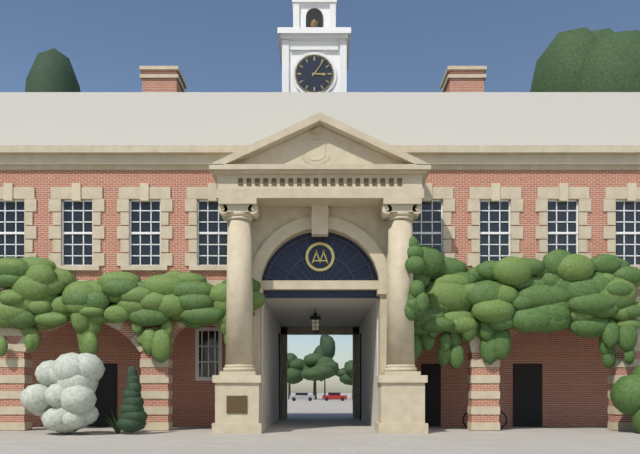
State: 3 h 06 min
